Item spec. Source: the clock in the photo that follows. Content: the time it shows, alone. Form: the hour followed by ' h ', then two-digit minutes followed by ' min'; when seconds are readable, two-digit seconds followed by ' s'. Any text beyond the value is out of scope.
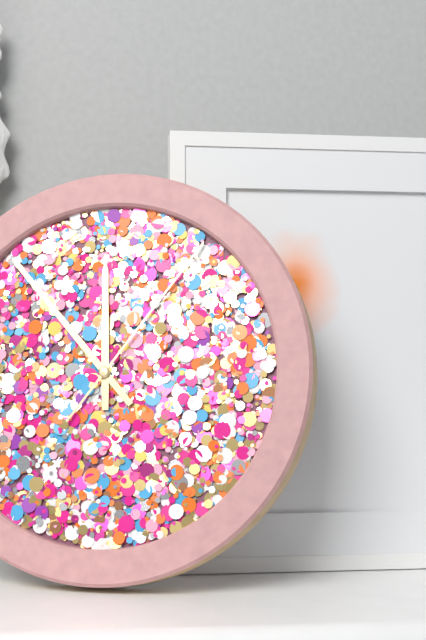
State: 11 h 53 min 06 s
